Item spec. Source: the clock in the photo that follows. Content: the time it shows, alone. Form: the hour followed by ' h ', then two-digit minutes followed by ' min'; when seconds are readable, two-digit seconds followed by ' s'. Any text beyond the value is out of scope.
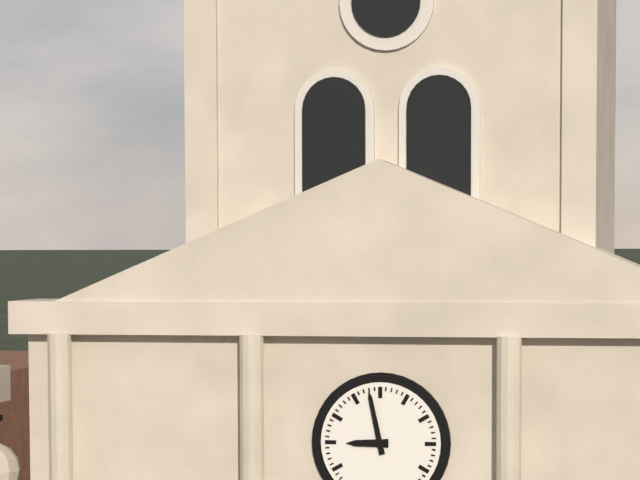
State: 8 h 58 min
